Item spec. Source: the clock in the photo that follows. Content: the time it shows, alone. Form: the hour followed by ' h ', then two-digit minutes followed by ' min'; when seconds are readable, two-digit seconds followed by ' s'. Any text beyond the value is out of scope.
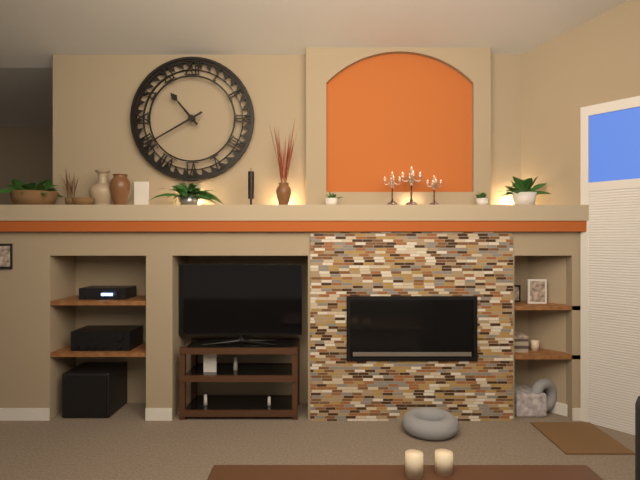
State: 10 h 40 min
